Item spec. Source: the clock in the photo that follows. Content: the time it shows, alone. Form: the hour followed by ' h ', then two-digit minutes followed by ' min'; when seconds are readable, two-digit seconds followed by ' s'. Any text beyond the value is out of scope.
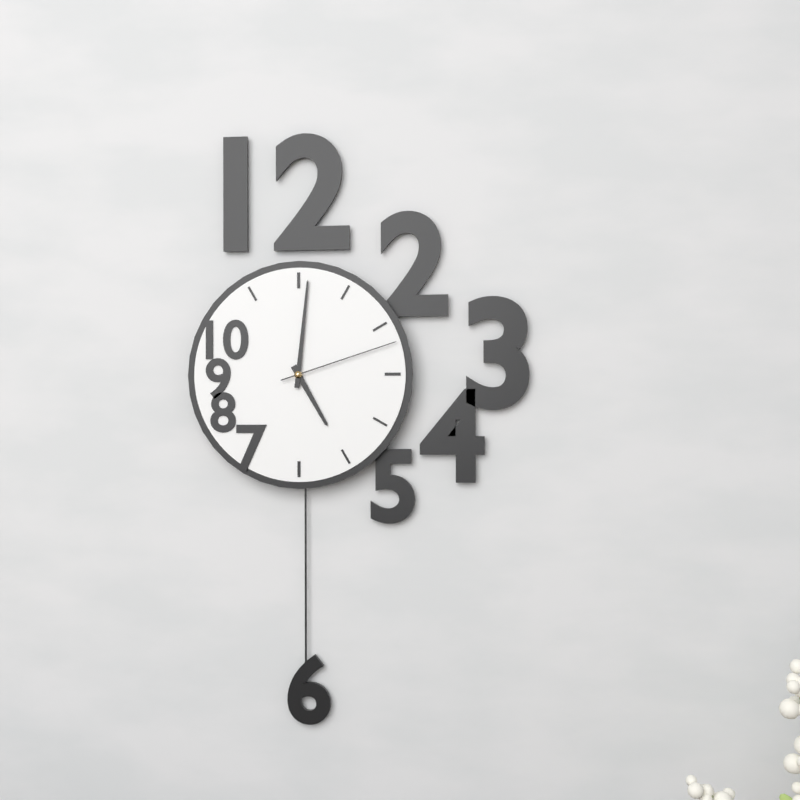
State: 5 h 01 min 12 s
